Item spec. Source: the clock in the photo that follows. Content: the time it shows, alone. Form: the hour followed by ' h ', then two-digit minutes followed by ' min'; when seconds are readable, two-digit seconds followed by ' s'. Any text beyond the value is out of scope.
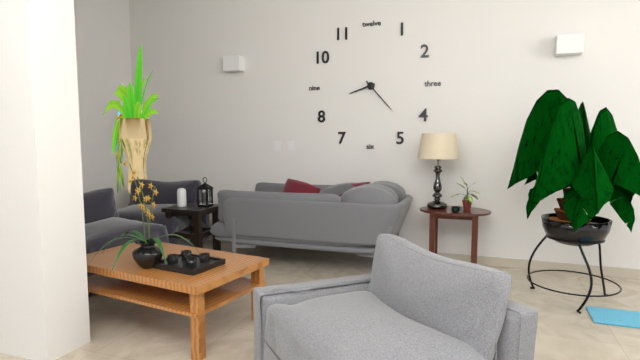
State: 8 h 23 min
